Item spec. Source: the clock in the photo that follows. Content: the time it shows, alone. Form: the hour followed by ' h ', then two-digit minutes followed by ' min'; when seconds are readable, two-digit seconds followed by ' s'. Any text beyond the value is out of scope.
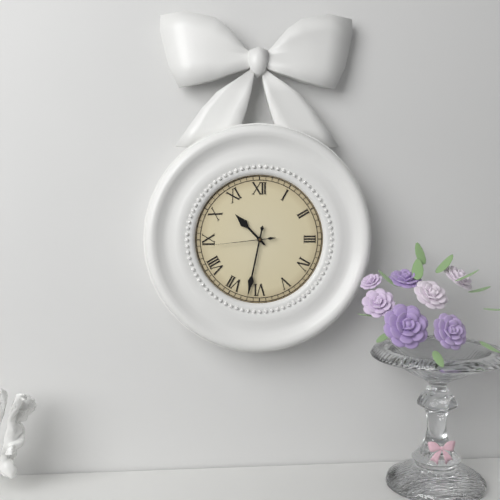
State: 10 h 32 min 44 s
